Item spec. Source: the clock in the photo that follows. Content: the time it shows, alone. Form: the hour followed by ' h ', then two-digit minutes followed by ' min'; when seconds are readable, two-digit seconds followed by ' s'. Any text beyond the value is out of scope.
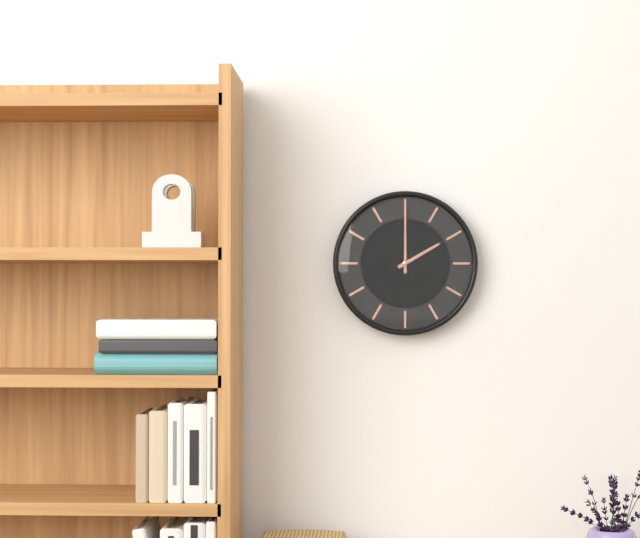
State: 2 h 00 min
